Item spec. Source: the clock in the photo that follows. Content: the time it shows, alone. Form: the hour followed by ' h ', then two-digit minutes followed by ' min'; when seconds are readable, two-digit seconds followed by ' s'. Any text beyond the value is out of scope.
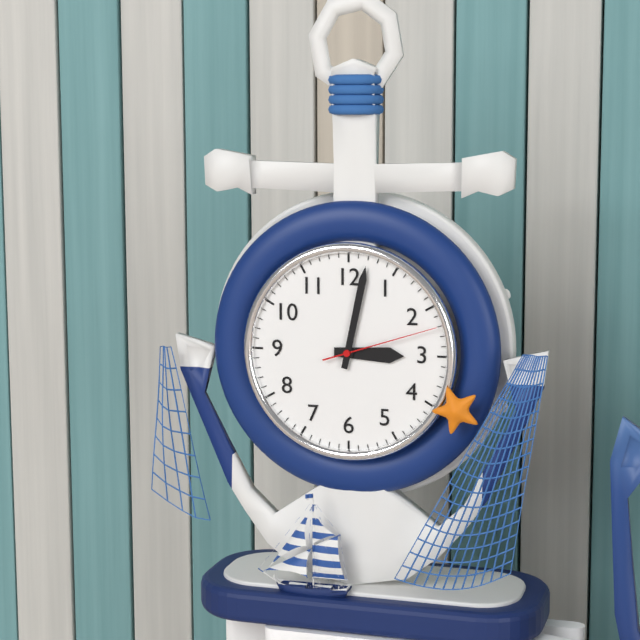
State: 3 h 02 min 12 s
